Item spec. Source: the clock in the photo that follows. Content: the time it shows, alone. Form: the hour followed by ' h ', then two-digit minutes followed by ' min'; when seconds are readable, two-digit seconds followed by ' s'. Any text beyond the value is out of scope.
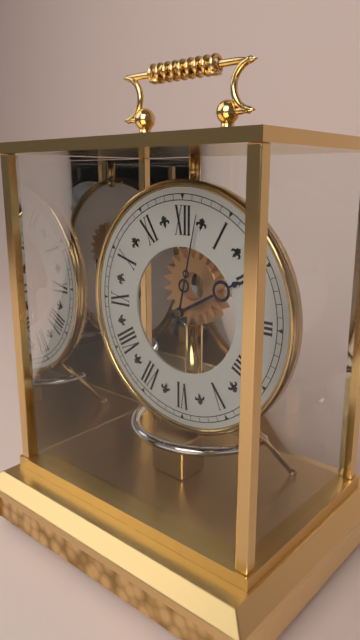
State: 2 h 02 min
